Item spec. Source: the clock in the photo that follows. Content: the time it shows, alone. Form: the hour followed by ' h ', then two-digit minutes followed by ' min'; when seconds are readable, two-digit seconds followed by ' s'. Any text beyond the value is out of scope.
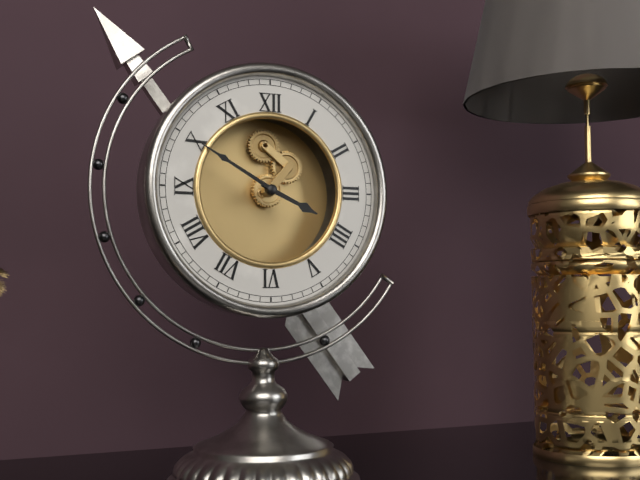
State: 3 h 50 min
